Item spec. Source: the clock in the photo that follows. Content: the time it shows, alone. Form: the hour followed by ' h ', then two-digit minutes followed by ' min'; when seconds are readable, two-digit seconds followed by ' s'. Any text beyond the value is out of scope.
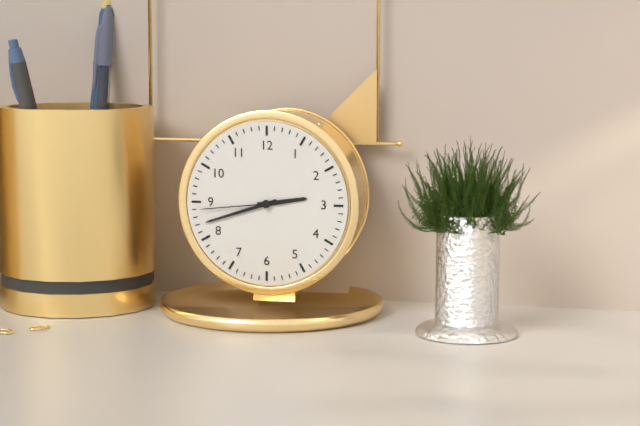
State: 2 h 42 min 44 s
